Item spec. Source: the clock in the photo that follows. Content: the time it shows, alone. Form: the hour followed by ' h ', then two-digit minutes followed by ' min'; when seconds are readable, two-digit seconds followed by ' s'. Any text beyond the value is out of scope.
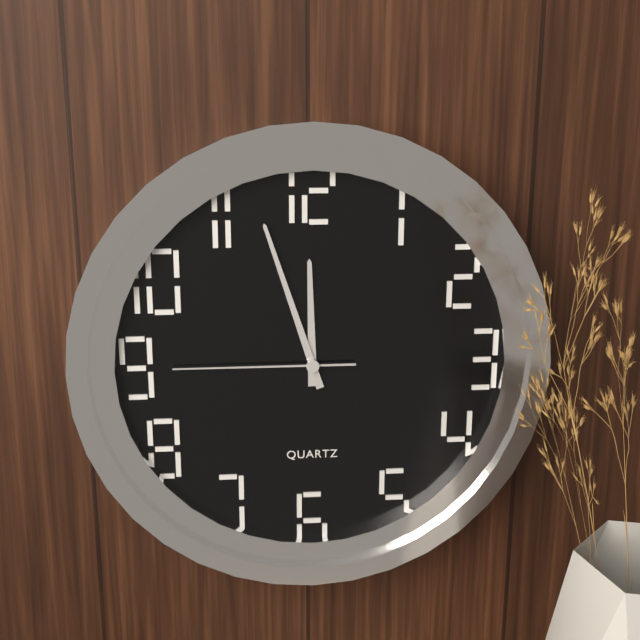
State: 11 h 57 min 45 s
